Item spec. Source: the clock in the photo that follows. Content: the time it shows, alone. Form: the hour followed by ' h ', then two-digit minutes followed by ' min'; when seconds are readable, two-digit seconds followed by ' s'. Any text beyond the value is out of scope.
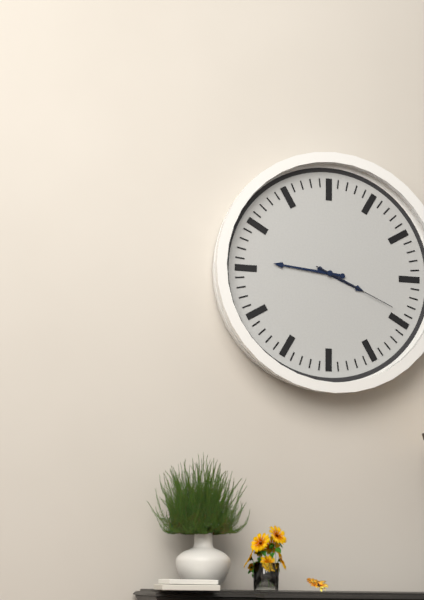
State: 3 h 46 min 19 s
